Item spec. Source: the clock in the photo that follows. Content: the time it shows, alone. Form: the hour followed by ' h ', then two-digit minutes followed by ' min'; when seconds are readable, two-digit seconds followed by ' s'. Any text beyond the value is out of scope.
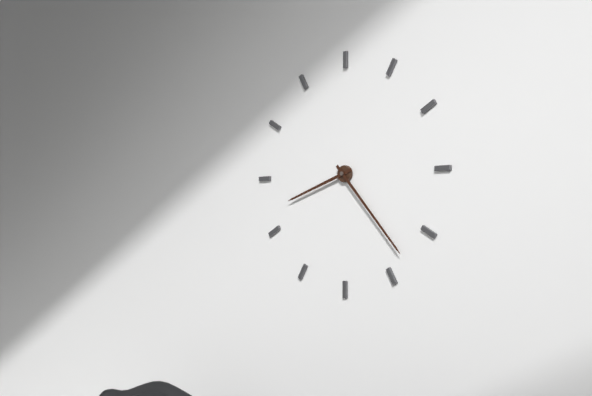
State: 8 h 23 min
